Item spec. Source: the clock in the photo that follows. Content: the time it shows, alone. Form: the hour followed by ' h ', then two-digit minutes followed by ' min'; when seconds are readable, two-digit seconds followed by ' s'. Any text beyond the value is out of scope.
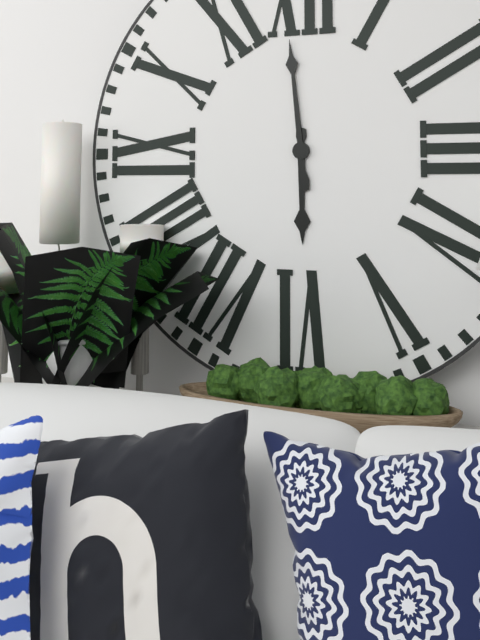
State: 5 h 59 min
